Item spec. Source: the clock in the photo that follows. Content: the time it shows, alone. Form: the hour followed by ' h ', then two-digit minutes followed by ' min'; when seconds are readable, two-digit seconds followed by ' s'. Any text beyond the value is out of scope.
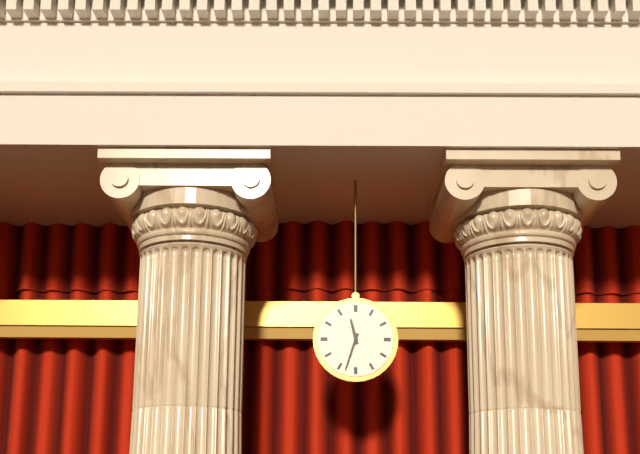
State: 11 h 33 min
